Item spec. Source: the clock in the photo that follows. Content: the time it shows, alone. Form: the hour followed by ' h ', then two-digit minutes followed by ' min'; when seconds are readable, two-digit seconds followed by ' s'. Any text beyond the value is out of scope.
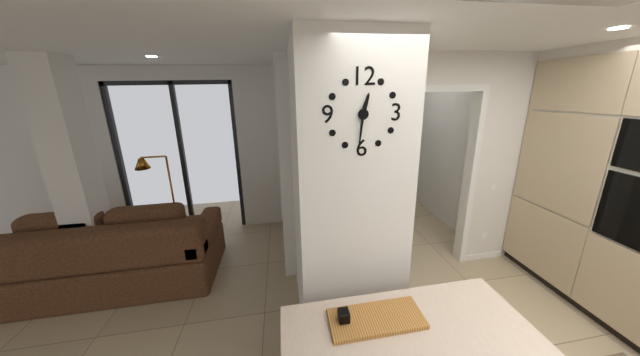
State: 12 h 31 min
